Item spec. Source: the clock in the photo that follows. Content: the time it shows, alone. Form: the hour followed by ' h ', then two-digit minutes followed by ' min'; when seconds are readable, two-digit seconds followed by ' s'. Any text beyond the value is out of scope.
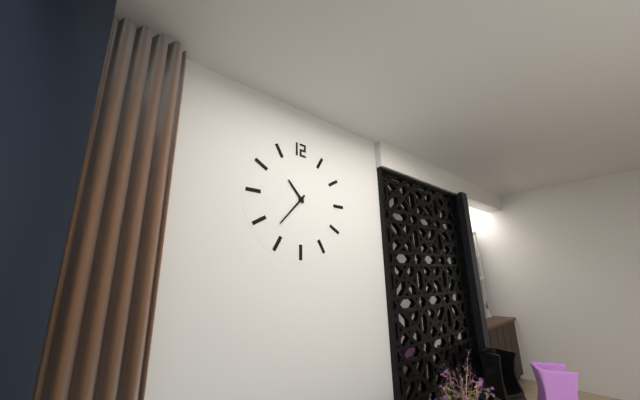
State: 10 h 37 min
